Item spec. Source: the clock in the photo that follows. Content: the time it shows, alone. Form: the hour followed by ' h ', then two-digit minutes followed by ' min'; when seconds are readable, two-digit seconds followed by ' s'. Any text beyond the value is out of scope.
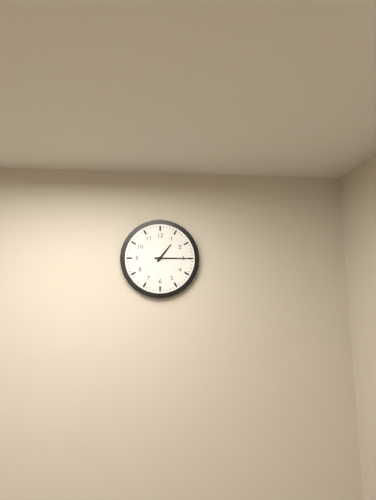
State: 1 h 15 min
